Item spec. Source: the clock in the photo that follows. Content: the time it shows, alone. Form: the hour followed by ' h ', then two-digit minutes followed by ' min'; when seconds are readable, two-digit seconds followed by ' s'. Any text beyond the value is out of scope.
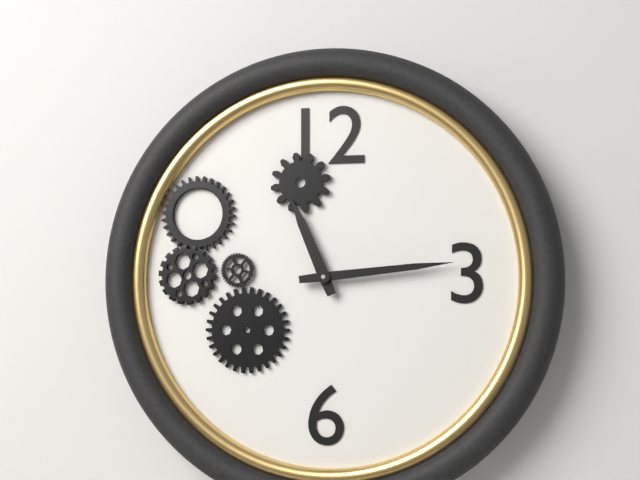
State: 11 h 14 min
